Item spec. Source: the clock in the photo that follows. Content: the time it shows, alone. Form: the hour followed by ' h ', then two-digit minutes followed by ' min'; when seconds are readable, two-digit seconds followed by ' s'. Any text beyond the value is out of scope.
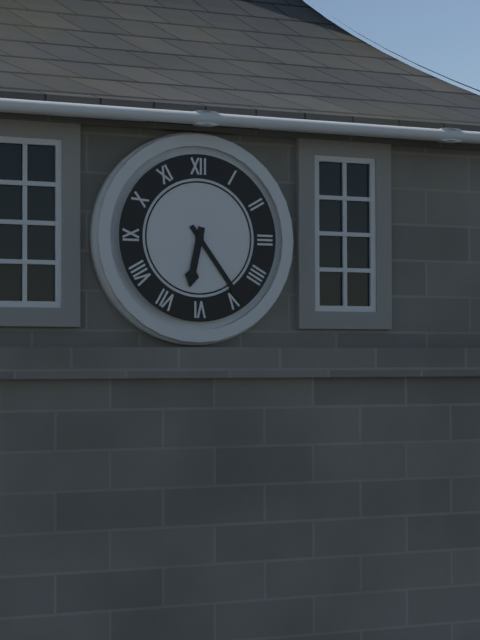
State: 6 h 24 min
